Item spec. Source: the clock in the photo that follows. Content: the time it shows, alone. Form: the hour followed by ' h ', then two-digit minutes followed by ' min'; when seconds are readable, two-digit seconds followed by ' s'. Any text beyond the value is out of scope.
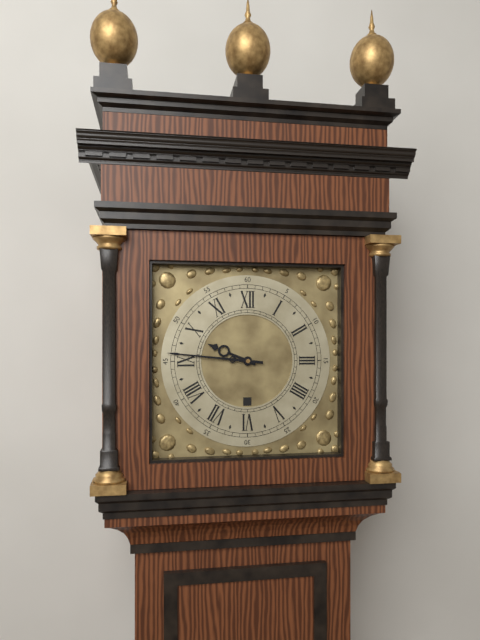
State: 9 h 46 min
